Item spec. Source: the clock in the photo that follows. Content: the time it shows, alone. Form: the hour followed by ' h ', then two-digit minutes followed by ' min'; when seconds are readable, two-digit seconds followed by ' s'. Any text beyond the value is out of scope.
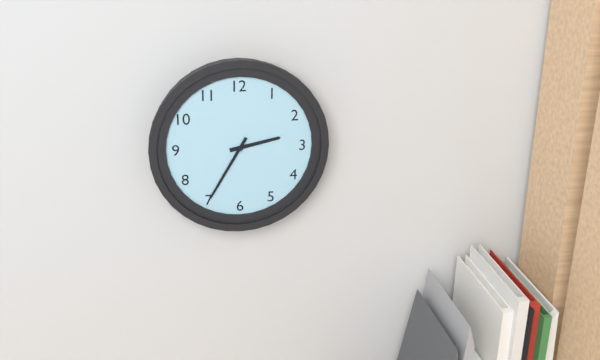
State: 2 h 35 min
